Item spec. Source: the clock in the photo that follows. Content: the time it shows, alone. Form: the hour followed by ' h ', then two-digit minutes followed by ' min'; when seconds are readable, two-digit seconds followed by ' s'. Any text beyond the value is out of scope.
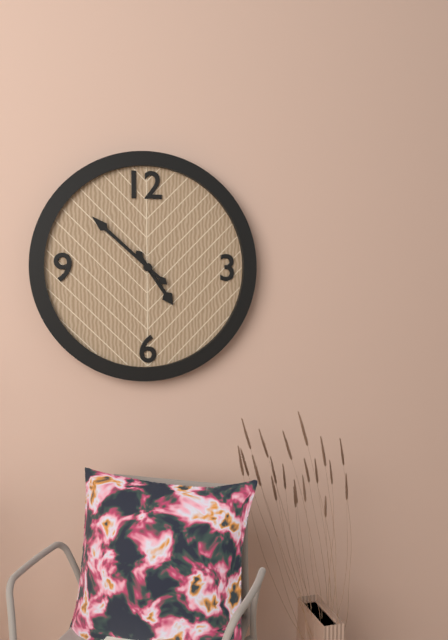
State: 4 h 52 min
